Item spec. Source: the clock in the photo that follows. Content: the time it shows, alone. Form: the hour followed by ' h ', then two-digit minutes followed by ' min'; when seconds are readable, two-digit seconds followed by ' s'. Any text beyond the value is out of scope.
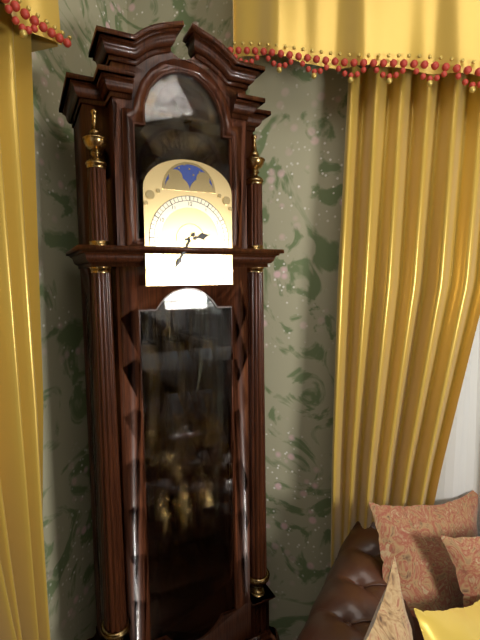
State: 2 h 35 min
